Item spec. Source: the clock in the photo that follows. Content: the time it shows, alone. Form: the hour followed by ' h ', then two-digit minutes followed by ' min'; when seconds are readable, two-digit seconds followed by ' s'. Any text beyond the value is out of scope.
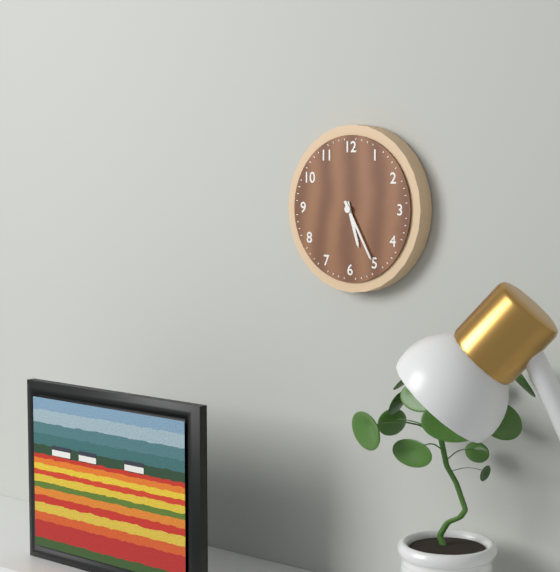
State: 5 h 25 min
